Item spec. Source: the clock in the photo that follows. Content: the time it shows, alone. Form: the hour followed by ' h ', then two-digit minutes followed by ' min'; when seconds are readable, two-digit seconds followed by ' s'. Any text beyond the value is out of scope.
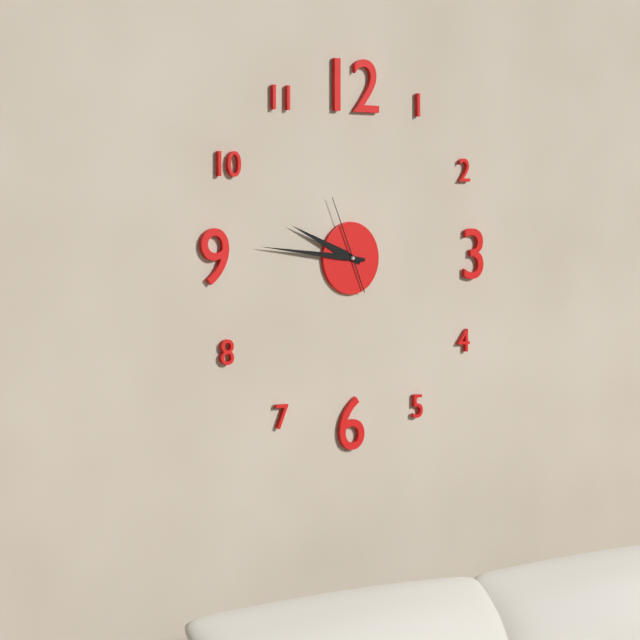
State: 9 h 46 min 56 s
